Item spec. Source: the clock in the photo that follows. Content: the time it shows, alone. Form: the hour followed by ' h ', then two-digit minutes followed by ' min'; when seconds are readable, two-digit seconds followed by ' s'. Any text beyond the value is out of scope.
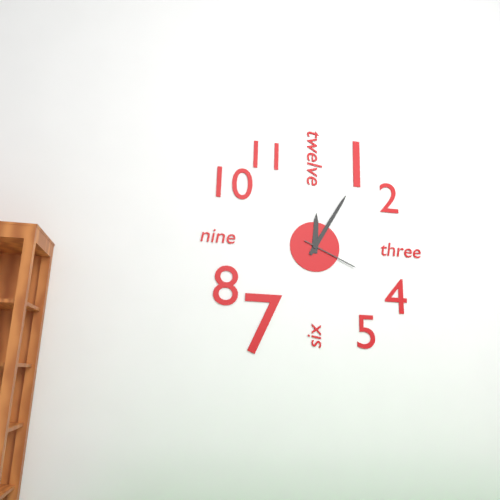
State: 12 h 05 min 19 s
